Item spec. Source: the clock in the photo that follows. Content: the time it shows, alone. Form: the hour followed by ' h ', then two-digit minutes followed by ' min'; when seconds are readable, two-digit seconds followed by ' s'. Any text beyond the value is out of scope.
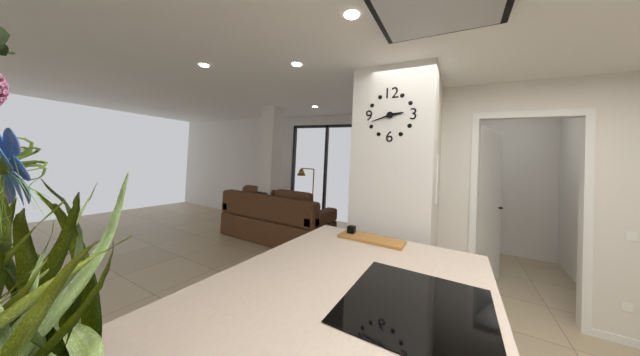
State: 2 h 42 min
